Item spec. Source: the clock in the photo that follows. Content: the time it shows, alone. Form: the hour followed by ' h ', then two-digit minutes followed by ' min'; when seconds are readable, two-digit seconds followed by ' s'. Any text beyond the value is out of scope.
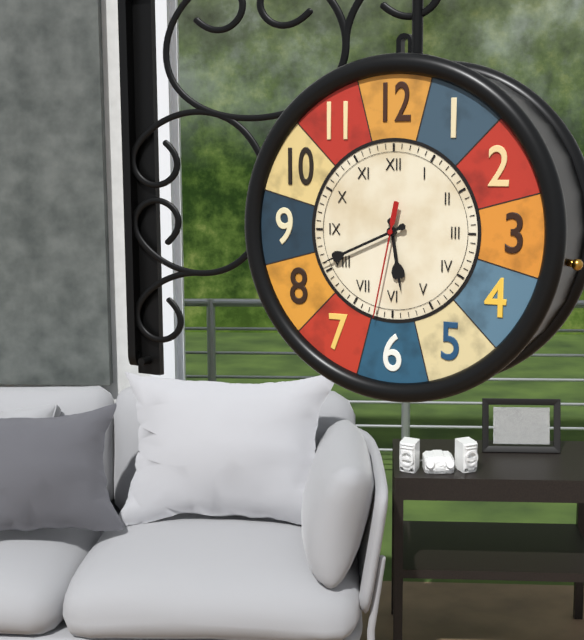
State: 5 h 41 min 32 s
